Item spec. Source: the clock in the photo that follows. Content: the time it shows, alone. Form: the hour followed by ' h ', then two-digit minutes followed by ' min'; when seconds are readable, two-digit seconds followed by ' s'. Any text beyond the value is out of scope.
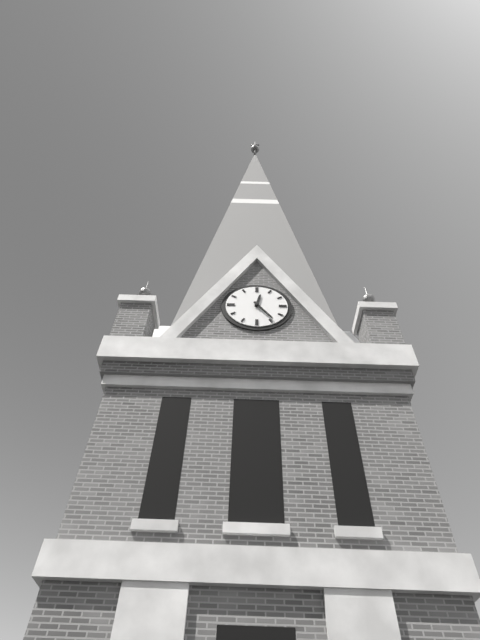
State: 12 h 24 min
